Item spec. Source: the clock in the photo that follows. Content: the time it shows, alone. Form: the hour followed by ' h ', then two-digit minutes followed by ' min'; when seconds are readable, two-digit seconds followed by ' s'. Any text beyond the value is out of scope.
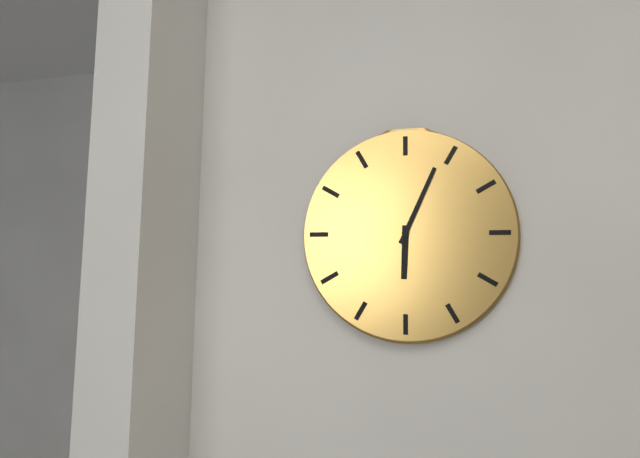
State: 6 h 04 min
